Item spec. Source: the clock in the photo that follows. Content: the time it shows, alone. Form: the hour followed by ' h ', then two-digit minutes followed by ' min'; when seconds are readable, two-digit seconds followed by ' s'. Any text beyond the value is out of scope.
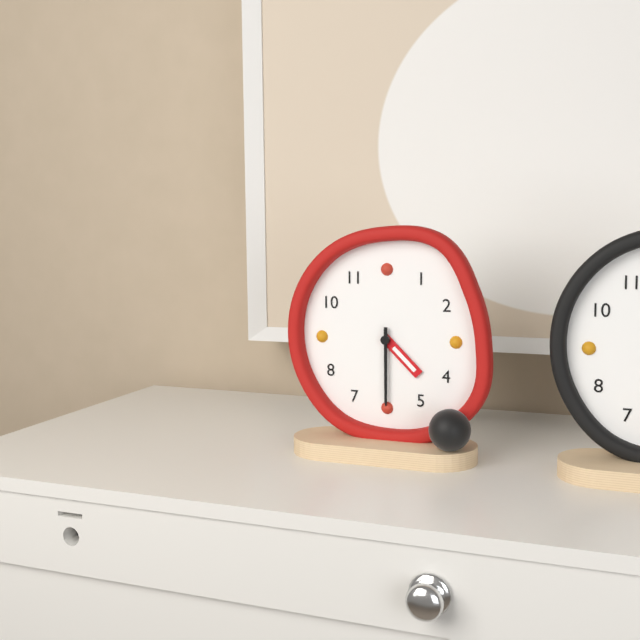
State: 4 h 30 min
